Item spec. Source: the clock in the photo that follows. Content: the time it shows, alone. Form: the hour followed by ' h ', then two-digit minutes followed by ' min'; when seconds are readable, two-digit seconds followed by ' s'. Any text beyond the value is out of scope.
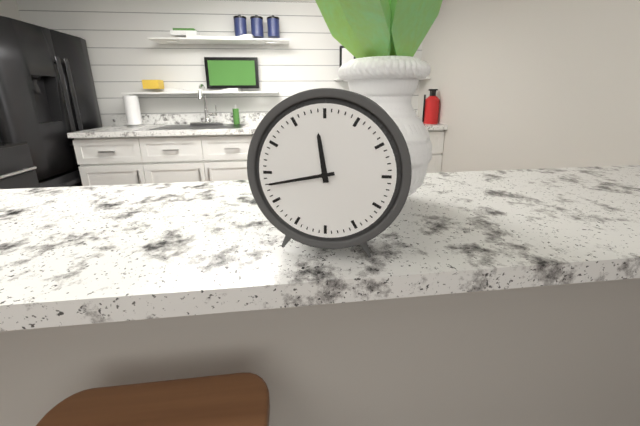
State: 11 h 43 min
